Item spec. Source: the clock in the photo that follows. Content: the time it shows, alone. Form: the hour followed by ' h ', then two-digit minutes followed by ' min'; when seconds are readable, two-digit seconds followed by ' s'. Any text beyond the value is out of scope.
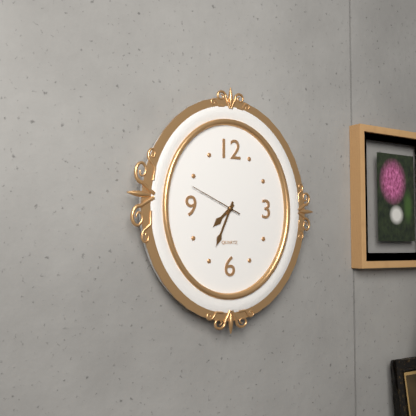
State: 7 h 34 min
